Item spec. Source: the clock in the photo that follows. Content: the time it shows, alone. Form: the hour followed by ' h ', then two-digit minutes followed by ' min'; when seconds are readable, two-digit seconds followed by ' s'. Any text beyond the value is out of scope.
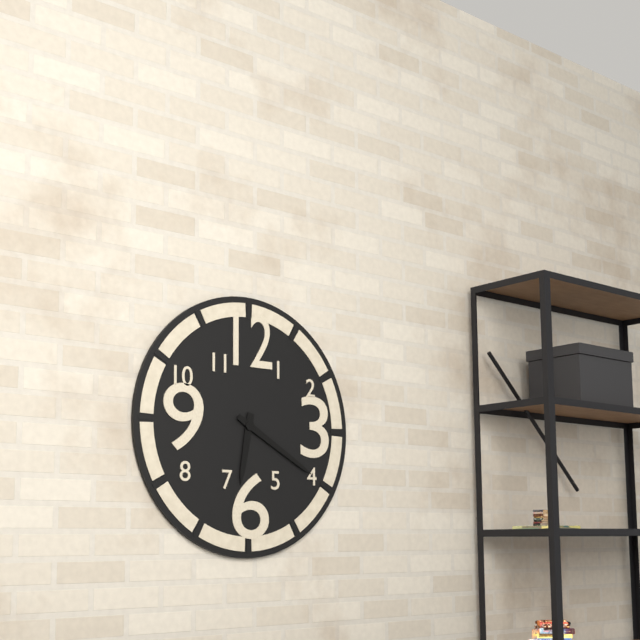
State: 6 h 20 min
